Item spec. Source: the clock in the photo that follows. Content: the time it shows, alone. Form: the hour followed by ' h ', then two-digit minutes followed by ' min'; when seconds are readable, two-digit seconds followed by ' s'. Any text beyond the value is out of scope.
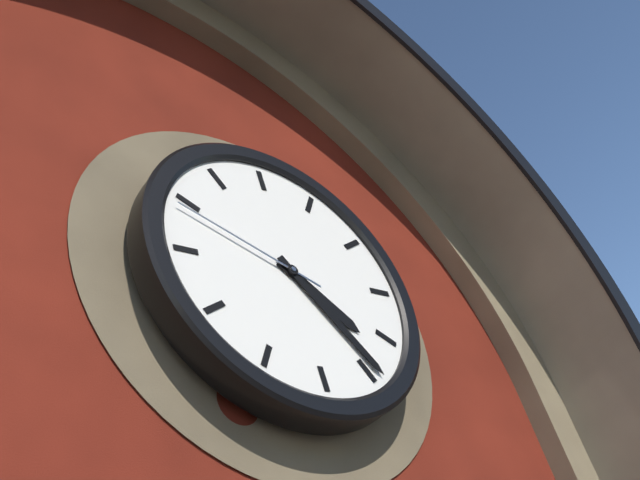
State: 4 h 24 min 49 s
